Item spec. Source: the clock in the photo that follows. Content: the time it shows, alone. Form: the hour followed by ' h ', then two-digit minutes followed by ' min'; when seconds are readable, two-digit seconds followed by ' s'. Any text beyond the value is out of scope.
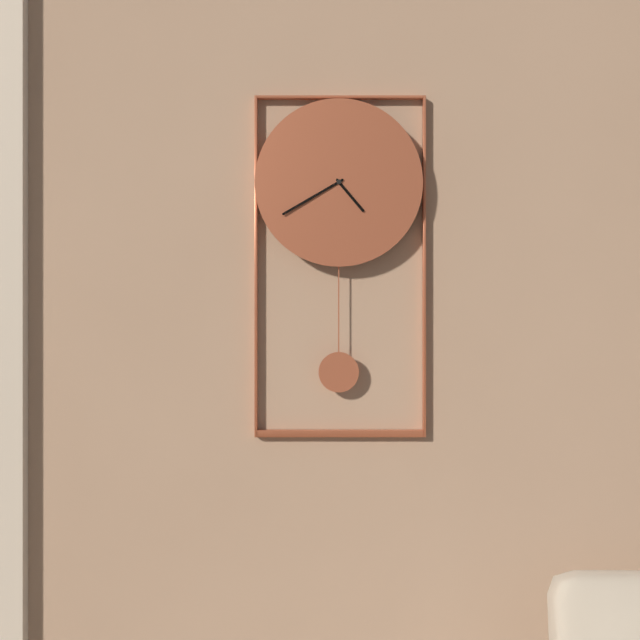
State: 4 h 40 min
